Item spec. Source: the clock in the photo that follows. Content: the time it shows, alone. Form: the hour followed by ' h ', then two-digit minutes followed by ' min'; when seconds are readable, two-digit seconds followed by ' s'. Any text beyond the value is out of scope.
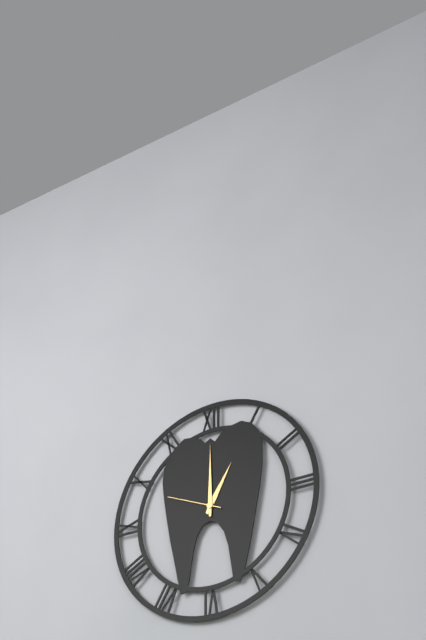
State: 1 h 00 min 49 s
